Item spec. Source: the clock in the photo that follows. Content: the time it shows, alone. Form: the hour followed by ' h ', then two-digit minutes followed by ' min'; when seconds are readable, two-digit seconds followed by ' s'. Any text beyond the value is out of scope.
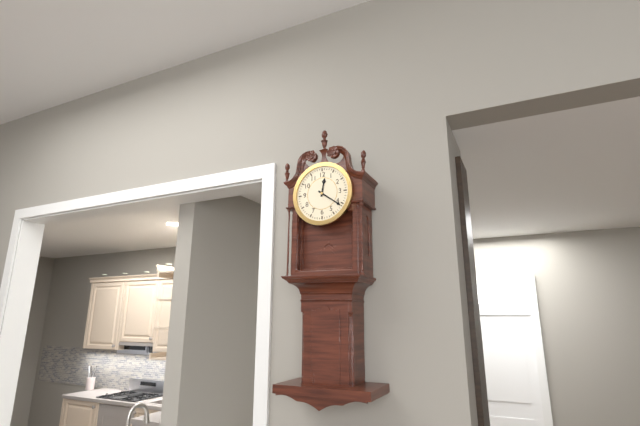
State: 12 h 21 min
